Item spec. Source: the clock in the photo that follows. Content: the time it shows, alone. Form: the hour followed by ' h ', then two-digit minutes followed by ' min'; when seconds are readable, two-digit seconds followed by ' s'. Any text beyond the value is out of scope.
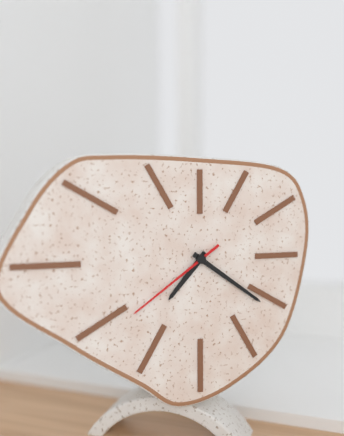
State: 7 h 21 min 39 s
